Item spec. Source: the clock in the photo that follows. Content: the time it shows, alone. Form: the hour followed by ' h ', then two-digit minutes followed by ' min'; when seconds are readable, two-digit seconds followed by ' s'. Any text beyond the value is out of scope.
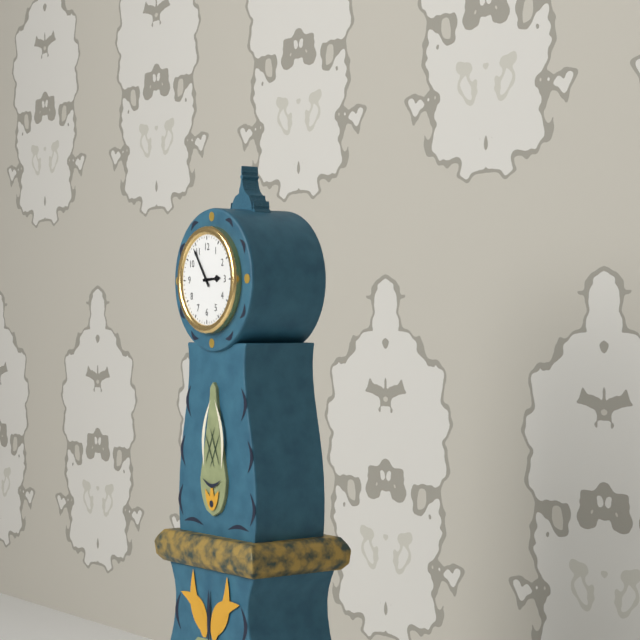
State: 2 h 54 min
